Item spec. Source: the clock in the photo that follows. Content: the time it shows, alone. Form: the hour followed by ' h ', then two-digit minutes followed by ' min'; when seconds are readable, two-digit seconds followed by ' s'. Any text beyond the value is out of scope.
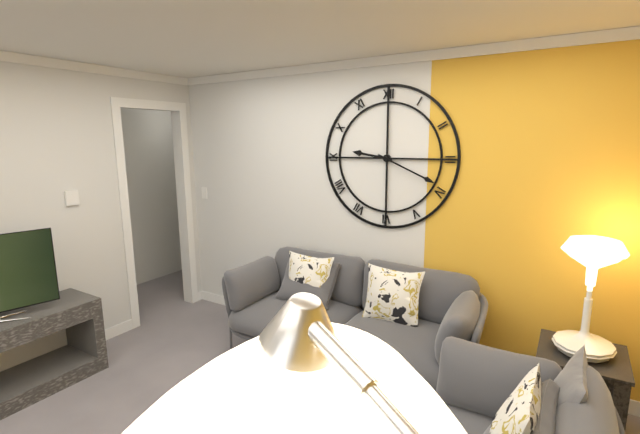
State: 9 h 19 min
